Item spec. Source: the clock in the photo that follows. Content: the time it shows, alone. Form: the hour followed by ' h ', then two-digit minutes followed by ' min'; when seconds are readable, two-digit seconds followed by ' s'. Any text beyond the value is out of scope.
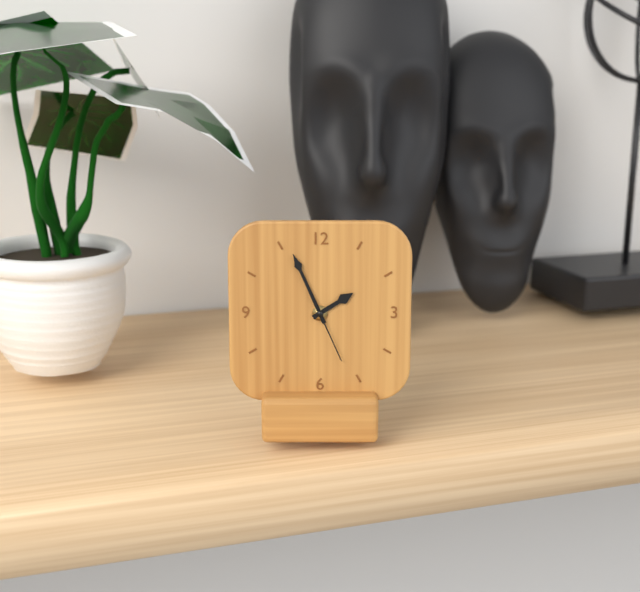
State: 1 h 56 min 26 s
